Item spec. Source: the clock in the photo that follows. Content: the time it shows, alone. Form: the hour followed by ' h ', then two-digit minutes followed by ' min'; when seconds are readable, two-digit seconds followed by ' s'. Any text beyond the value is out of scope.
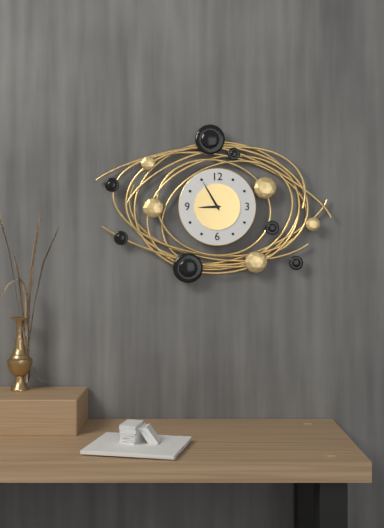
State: 8 h 55 min
